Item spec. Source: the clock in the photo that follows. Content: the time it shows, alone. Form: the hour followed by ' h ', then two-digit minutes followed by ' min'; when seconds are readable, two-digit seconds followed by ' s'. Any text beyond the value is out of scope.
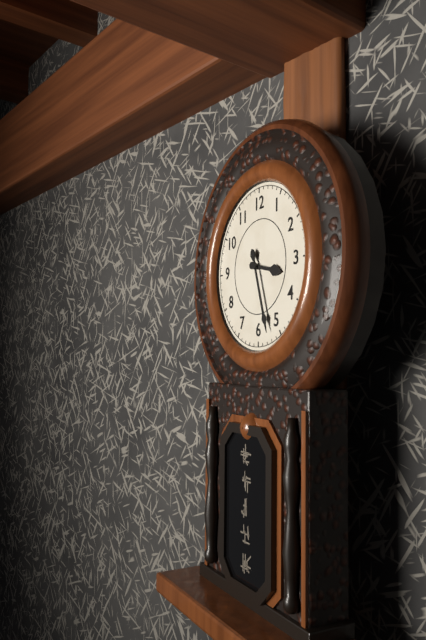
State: 3 h 27 min
